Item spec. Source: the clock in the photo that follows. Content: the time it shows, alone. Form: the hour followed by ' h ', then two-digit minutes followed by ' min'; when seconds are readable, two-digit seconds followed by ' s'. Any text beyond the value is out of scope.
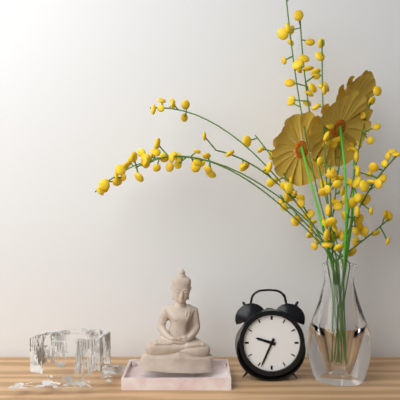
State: 9 h 34 min
